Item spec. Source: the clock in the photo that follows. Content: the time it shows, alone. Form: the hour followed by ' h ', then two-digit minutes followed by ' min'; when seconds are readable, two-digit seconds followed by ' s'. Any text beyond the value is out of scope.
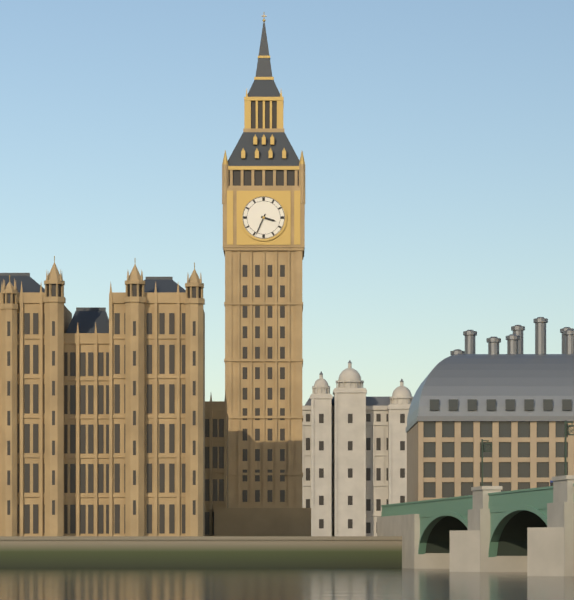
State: 3 h 34 min
